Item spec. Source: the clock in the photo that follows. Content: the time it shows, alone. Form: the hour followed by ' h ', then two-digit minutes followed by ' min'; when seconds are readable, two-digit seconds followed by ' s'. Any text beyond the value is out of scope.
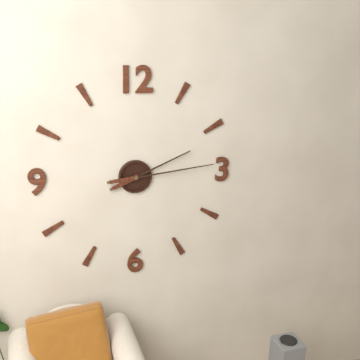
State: 2 h 14 min
